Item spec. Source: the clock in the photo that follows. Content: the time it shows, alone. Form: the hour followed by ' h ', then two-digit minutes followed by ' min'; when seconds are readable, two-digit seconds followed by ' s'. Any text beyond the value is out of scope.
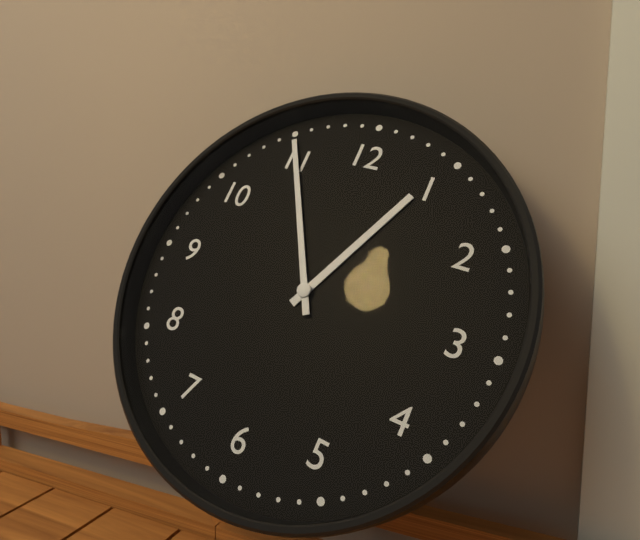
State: 12 h 55 min
